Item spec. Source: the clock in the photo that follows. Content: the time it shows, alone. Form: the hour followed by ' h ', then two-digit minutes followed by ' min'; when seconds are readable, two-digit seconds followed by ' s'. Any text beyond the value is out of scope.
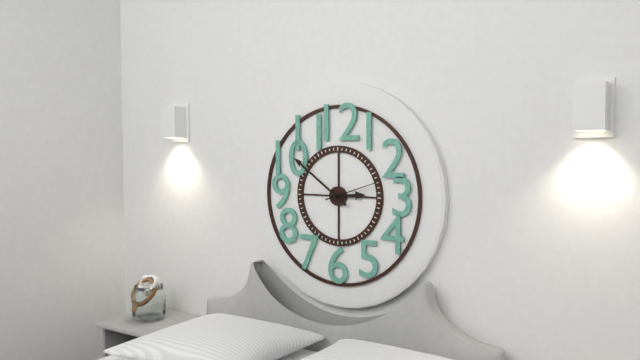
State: 2 h 51 min 12 s
